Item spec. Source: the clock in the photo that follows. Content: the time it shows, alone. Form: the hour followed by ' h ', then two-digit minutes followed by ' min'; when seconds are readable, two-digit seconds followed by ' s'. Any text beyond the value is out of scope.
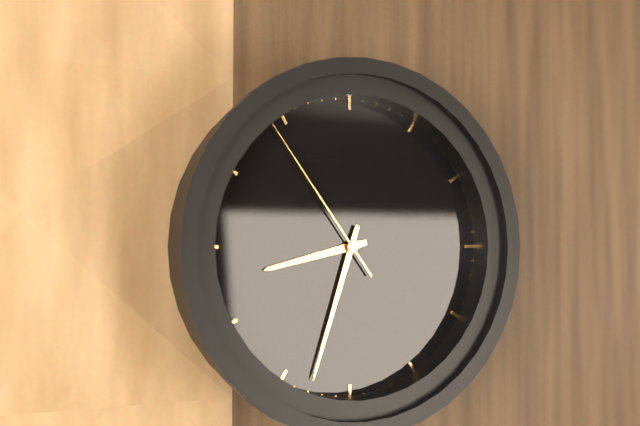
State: 8 h 33 min 54 s
